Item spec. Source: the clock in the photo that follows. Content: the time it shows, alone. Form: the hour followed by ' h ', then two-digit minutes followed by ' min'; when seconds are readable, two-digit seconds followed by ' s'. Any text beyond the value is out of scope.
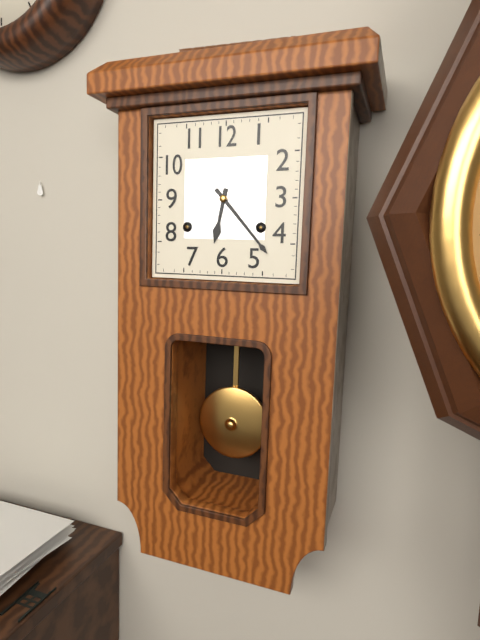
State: 6 h 23 min
